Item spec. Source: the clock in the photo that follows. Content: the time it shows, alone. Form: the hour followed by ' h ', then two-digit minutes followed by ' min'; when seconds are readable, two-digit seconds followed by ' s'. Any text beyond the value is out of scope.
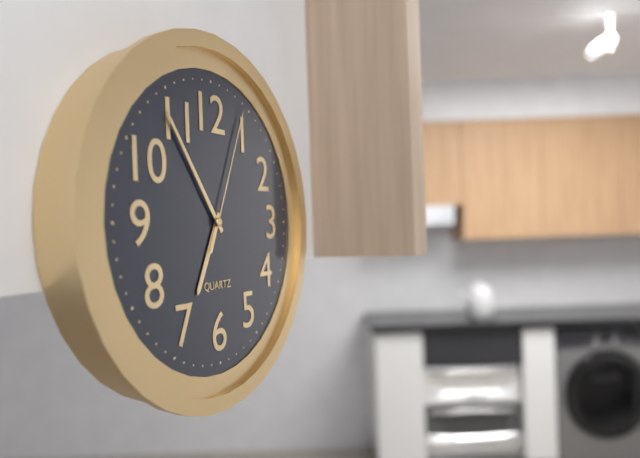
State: 6 h 54 min 04 s
